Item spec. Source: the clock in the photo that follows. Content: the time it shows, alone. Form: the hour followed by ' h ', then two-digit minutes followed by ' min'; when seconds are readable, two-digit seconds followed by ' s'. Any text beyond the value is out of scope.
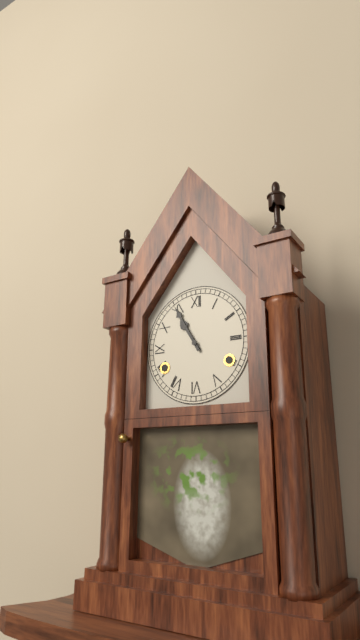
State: 10 h 55 min
